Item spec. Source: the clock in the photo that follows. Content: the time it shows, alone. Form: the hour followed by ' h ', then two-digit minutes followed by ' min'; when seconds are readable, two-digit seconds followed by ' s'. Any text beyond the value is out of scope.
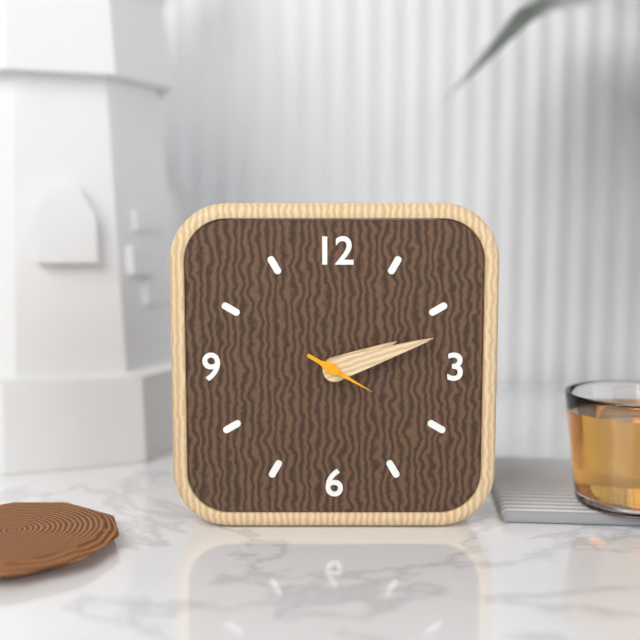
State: 2 h 12 min 20 s
